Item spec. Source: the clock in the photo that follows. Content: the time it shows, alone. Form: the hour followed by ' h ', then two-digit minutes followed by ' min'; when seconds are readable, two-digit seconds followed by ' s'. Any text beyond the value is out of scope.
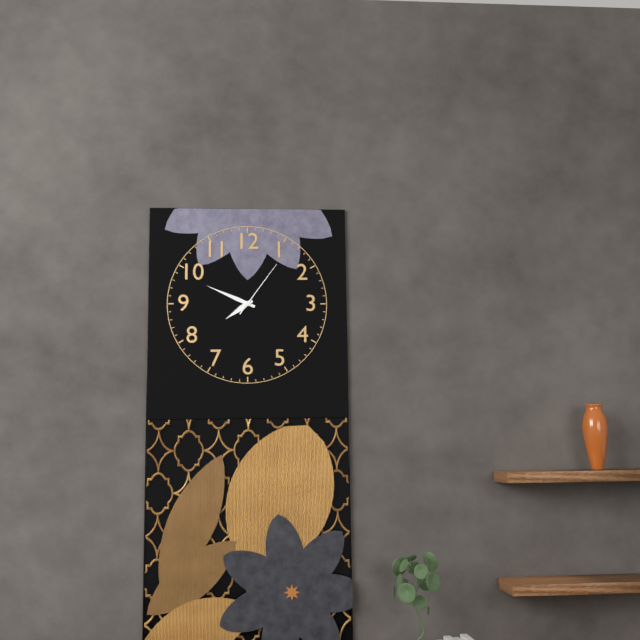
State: 7 h 49 min 06 s
